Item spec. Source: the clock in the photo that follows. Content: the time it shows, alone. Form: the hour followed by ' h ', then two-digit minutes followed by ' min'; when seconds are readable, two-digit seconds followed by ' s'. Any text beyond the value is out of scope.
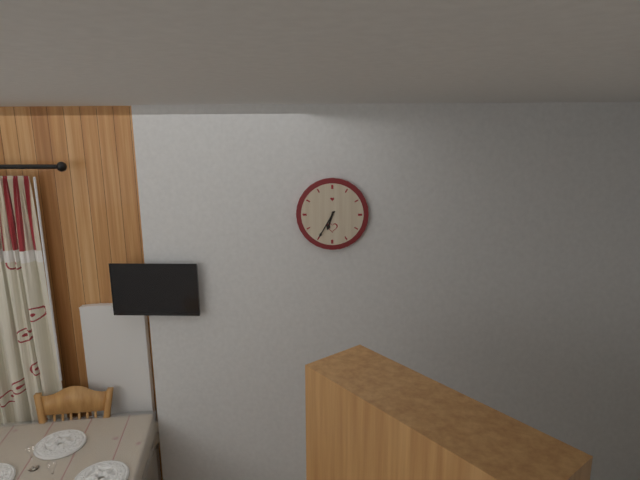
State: 6 h 35 min
